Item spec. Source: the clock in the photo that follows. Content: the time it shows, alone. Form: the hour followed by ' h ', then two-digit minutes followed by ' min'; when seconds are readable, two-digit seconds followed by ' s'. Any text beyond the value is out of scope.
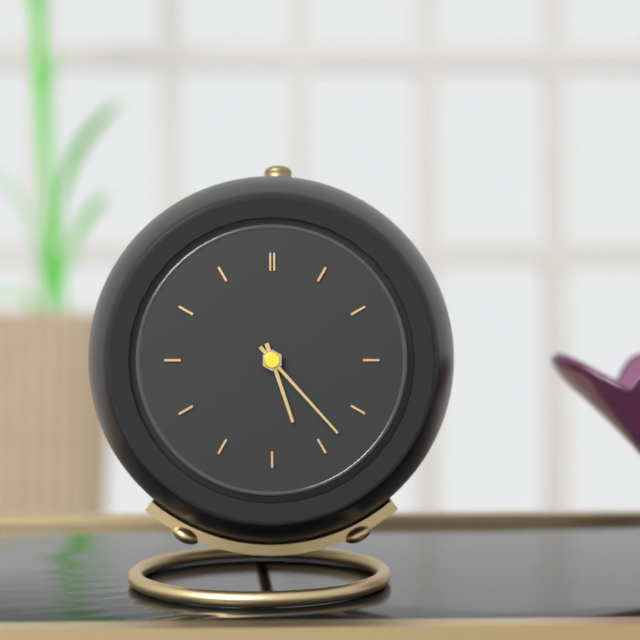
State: 5 h 23 min
